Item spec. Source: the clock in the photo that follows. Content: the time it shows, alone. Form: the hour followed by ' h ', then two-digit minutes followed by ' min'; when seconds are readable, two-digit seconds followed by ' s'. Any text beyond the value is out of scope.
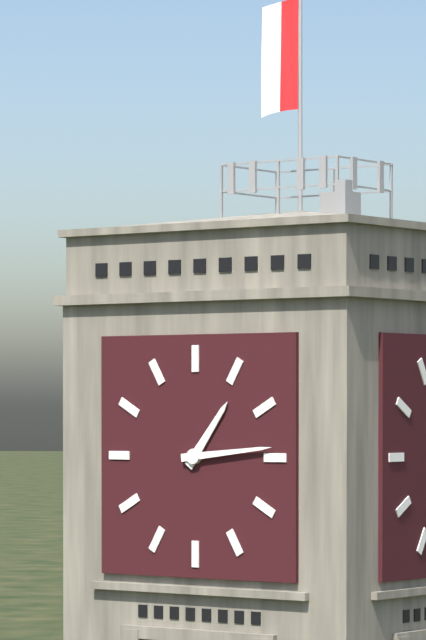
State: 1 h 14 min
